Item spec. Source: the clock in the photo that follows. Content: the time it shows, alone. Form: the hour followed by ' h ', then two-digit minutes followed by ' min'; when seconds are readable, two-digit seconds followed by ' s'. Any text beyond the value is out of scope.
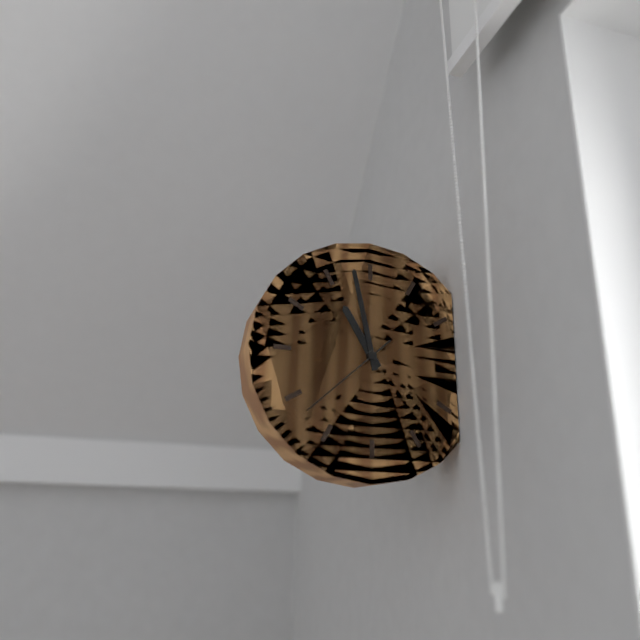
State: 10 h 58 min 38 s
